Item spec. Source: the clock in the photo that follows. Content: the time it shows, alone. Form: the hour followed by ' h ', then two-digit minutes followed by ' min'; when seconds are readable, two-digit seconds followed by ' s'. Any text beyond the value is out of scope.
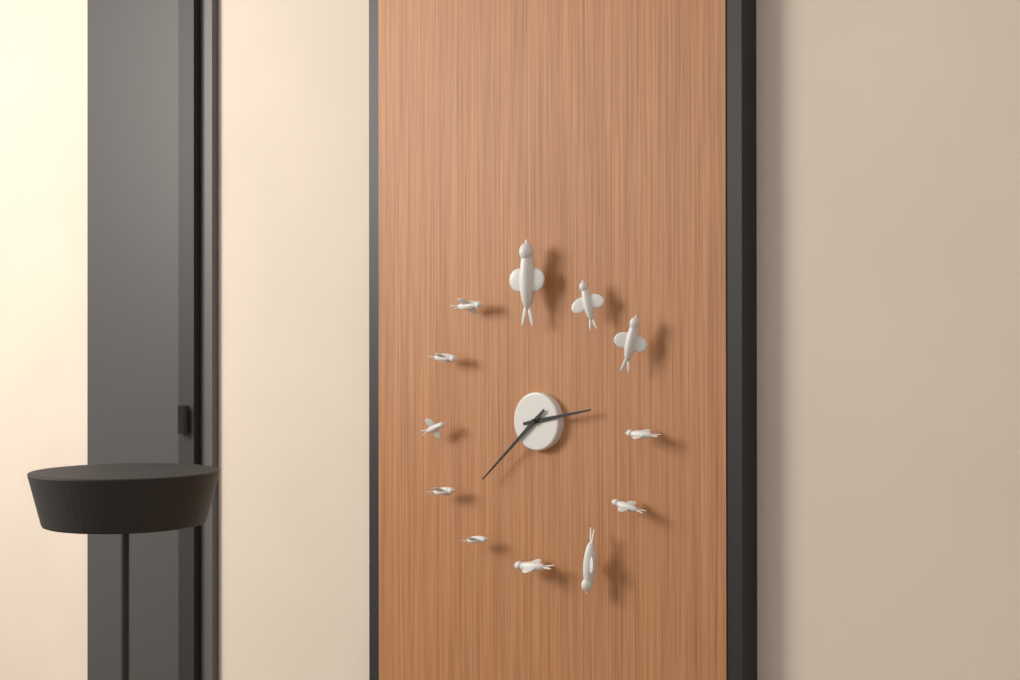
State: 2 h 38 min
